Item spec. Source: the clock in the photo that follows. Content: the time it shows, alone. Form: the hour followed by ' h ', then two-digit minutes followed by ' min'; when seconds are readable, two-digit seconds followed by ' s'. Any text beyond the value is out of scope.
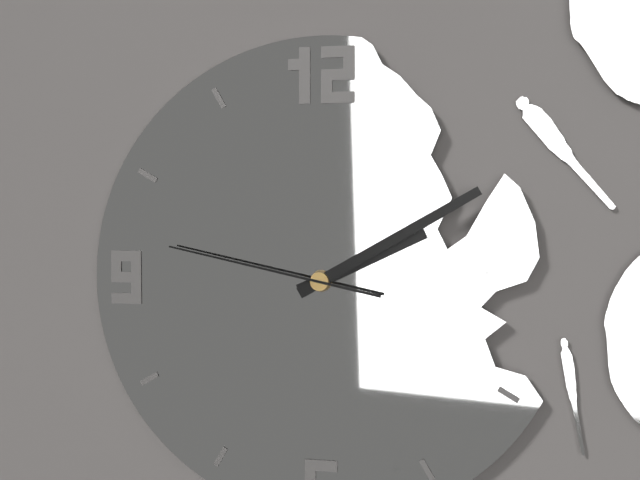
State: 2 h 10 min 47 s
